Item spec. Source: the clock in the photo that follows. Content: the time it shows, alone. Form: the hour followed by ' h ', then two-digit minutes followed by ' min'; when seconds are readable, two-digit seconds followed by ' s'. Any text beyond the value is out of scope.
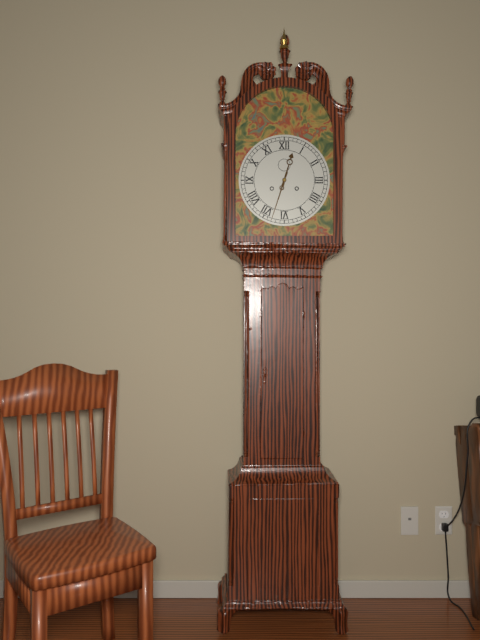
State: 12 h 33 min
